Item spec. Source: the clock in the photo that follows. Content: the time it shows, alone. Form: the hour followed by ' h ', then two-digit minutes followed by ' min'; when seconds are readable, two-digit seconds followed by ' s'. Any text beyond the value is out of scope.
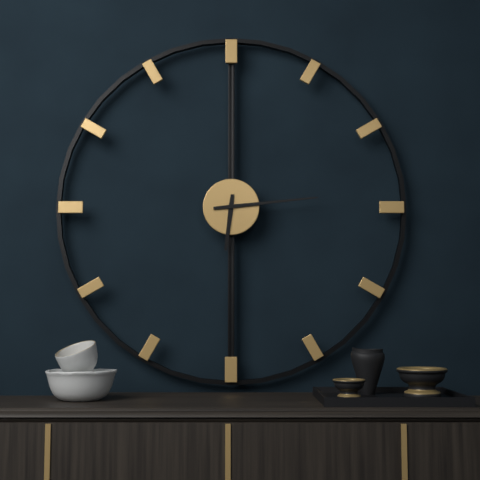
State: 6 h 14 min
